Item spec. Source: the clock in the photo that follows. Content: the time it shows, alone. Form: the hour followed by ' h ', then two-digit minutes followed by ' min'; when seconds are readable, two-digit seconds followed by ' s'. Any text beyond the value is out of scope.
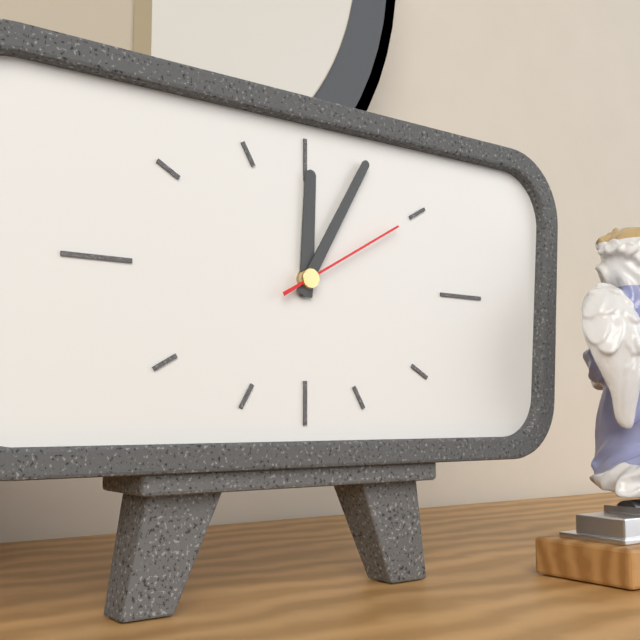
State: 12 h 05 min 10 s
